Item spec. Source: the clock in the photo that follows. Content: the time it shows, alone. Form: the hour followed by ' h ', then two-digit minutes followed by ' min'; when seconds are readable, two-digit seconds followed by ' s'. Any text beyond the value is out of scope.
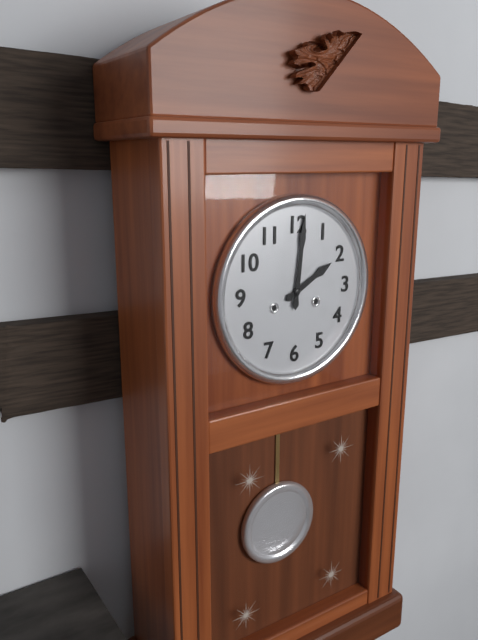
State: 2 h 01 min
